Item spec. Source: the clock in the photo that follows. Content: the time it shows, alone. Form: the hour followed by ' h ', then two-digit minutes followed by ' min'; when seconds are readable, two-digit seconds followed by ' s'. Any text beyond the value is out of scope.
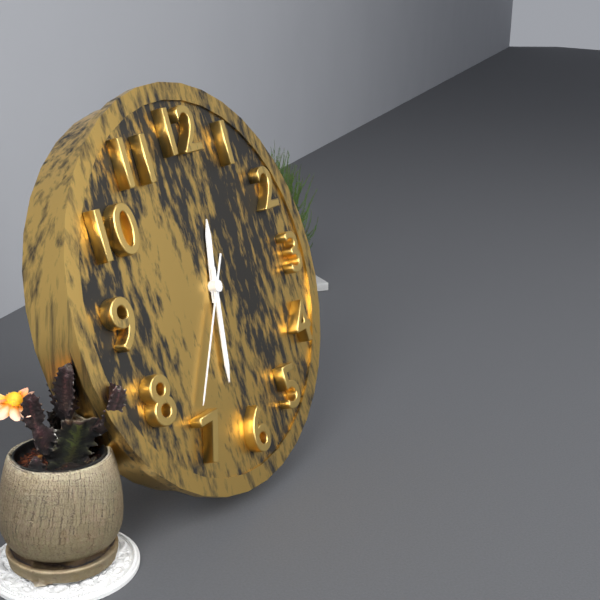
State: 12 h 32 min 36 s
